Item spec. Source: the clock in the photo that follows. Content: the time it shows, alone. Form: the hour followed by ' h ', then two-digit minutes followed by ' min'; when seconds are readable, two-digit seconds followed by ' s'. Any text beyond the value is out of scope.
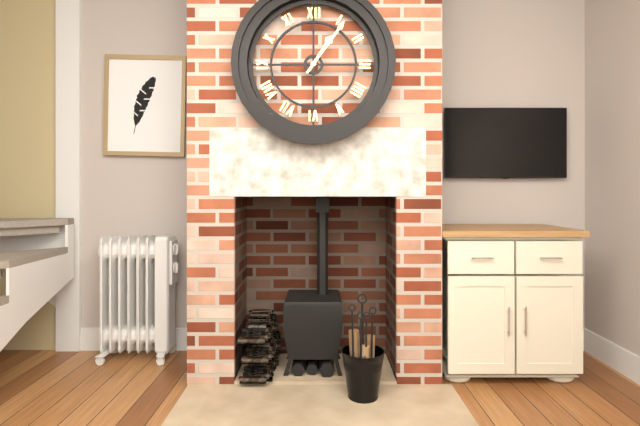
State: 1 h 06 min
